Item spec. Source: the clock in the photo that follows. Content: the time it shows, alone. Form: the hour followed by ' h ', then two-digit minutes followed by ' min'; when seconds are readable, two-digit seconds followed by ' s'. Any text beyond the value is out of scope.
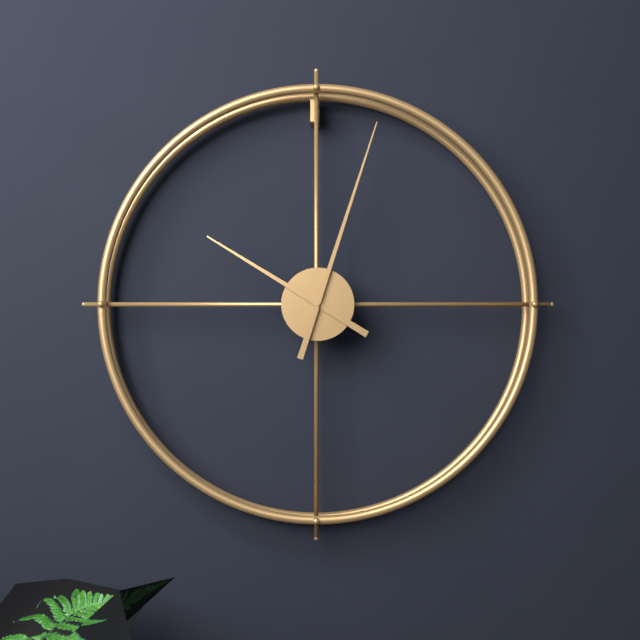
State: 10 h 03 min
